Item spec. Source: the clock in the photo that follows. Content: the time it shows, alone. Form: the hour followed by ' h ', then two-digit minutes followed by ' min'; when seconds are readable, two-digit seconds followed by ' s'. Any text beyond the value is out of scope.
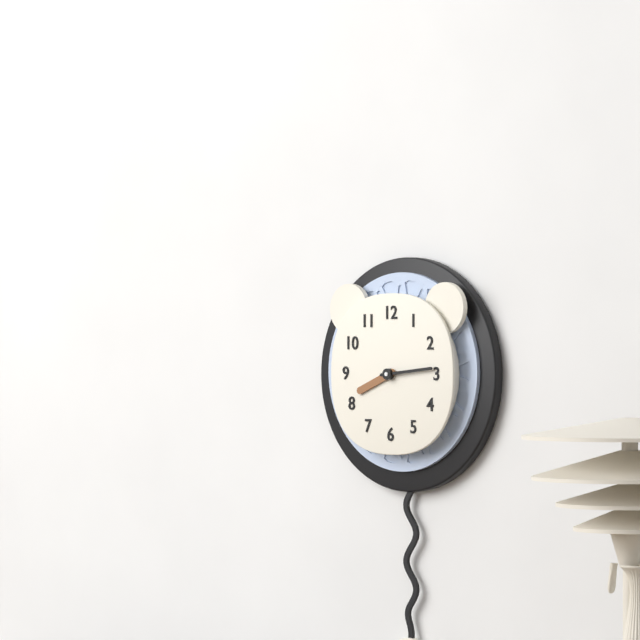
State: 8 h 14 min
